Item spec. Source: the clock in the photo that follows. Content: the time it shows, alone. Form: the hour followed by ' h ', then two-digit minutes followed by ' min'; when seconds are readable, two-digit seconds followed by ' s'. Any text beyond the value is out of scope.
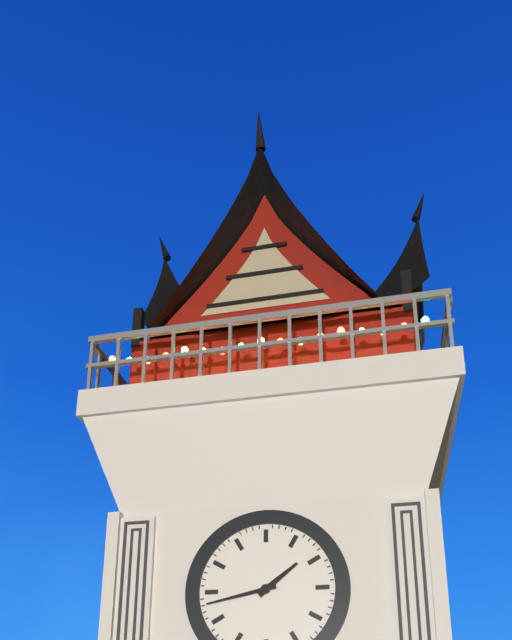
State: 1 h 43 min
